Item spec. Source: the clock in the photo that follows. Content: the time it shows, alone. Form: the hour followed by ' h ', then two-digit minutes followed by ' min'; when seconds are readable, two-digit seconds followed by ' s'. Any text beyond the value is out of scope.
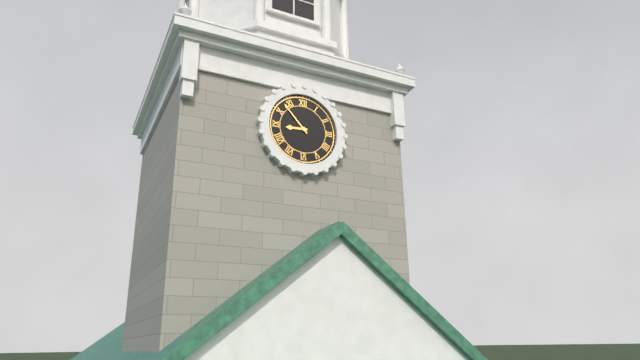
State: 8 h 53 min
